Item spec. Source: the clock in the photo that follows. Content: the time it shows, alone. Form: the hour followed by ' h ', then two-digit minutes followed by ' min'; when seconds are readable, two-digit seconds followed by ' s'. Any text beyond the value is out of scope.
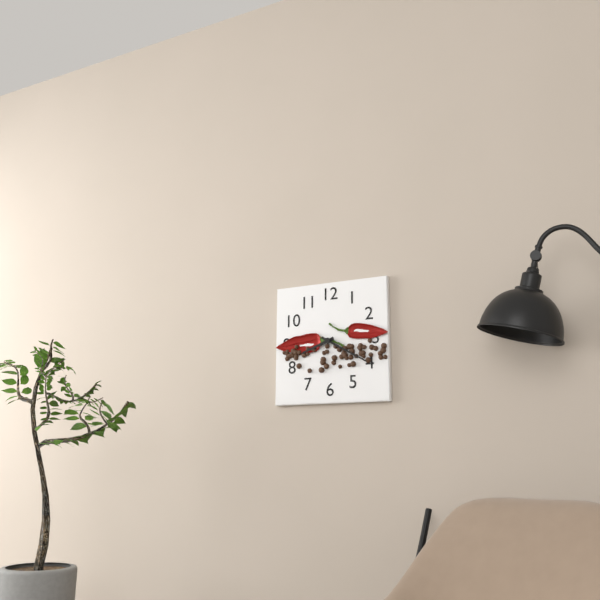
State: 8 h 20 min
